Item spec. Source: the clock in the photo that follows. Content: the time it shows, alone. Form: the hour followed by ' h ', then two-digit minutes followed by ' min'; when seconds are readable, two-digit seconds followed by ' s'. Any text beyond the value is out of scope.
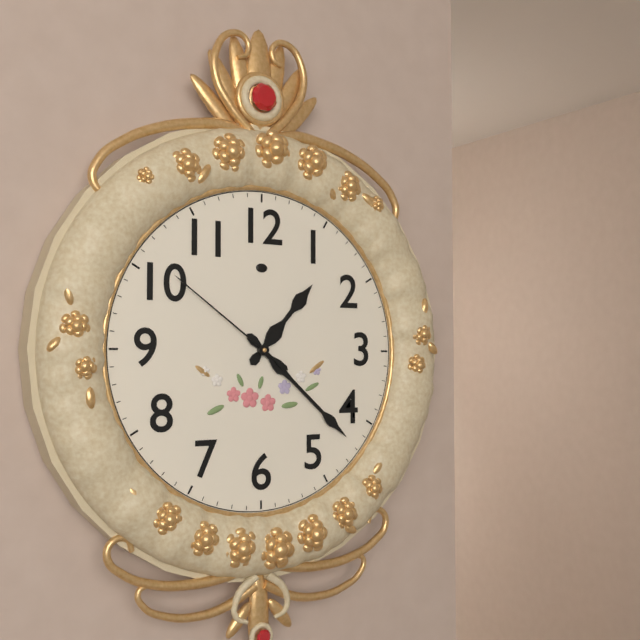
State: 1 h 22 min 51 s
